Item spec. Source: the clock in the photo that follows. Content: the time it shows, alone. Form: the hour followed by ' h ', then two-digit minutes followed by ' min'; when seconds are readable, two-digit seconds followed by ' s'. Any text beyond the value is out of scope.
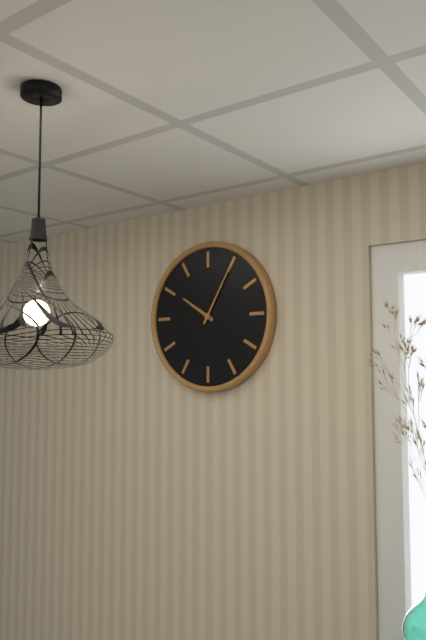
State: 10 h 05 min
